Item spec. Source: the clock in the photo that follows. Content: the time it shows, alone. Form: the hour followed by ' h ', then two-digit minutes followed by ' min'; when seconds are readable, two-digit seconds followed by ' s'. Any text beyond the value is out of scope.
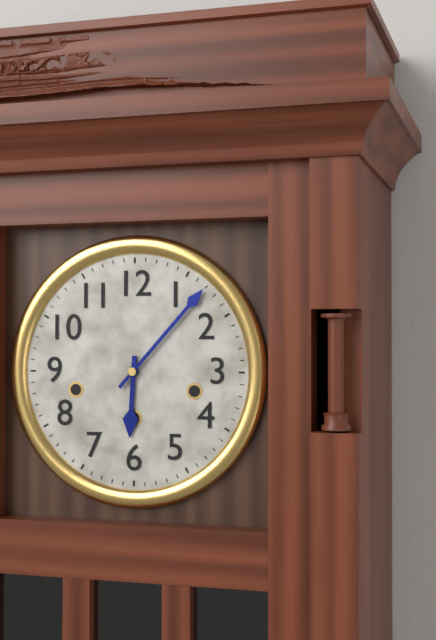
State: 6 h 07 min
